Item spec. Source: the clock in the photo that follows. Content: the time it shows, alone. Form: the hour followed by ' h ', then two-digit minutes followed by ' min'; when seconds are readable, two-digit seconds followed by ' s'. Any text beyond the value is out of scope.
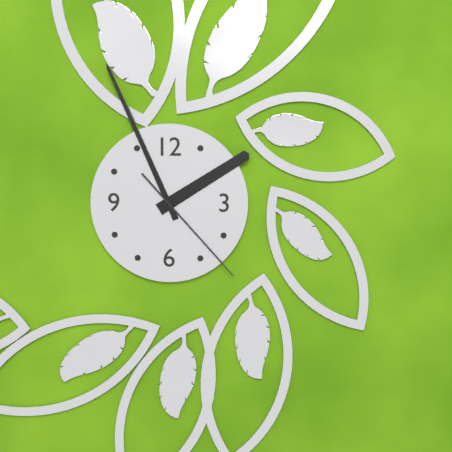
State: 1 h 56 min 23 s
